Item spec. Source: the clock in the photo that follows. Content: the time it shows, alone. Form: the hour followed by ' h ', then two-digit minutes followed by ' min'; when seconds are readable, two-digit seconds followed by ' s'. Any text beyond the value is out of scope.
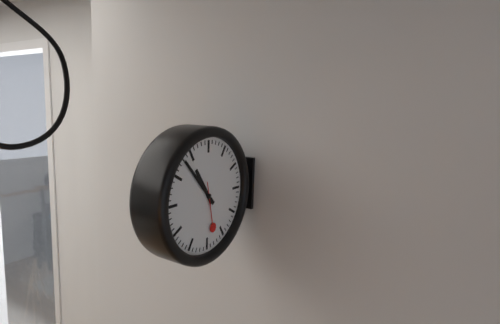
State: 10 h 53 min 28 s
